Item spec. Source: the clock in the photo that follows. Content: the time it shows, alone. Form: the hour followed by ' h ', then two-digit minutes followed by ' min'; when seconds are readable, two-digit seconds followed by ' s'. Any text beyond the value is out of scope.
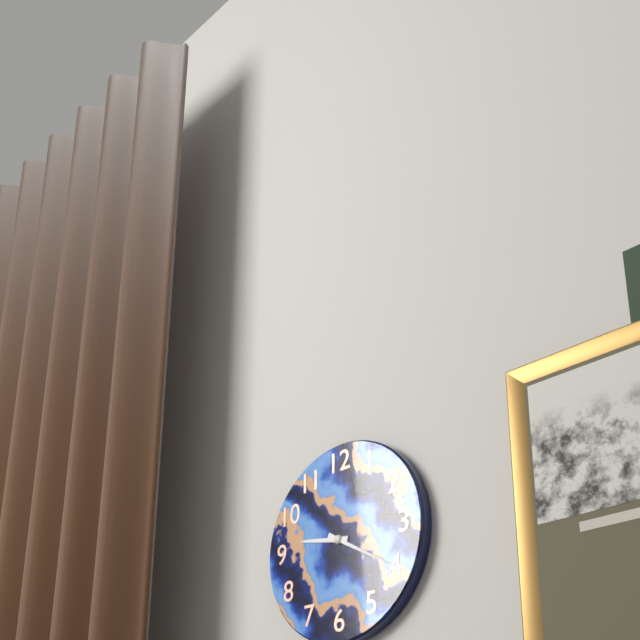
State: 9 h 20 min
